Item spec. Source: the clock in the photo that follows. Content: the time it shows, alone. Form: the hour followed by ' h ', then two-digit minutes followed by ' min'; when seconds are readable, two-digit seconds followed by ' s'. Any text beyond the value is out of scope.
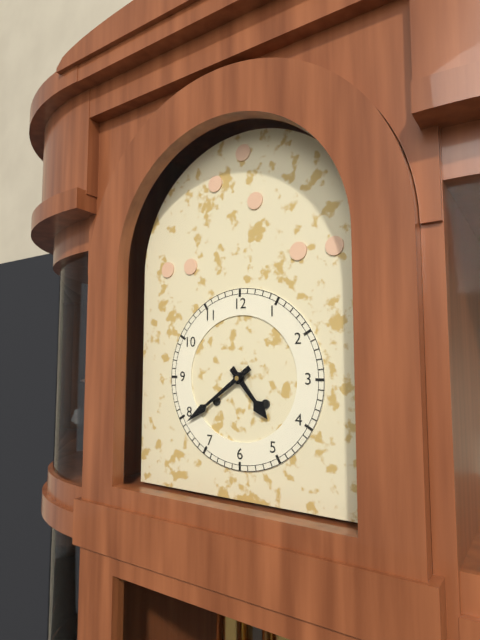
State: 4 h 39 min
